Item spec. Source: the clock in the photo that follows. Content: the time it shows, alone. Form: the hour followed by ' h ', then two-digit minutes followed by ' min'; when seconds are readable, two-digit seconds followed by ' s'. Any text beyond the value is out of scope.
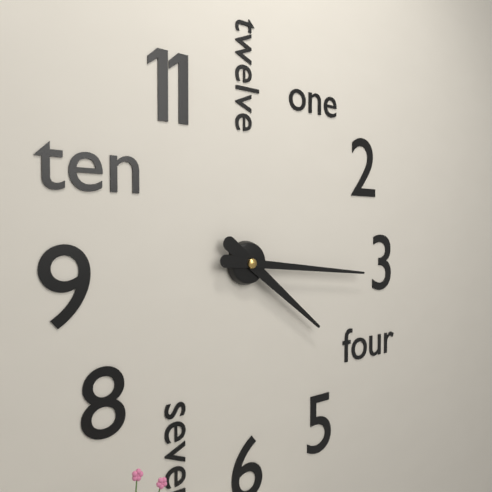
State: 4 h 16 min
